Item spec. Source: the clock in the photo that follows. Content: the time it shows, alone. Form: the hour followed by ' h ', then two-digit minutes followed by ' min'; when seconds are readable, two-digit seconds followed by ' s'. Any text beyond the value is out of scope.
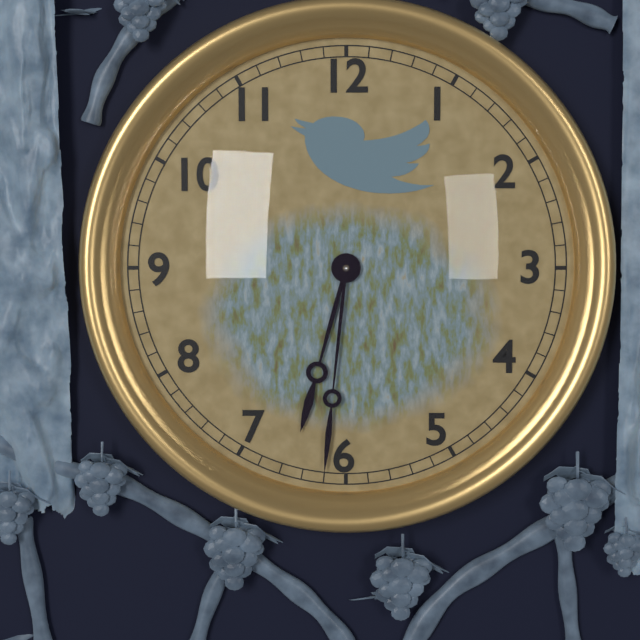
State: 6 h 31 min
